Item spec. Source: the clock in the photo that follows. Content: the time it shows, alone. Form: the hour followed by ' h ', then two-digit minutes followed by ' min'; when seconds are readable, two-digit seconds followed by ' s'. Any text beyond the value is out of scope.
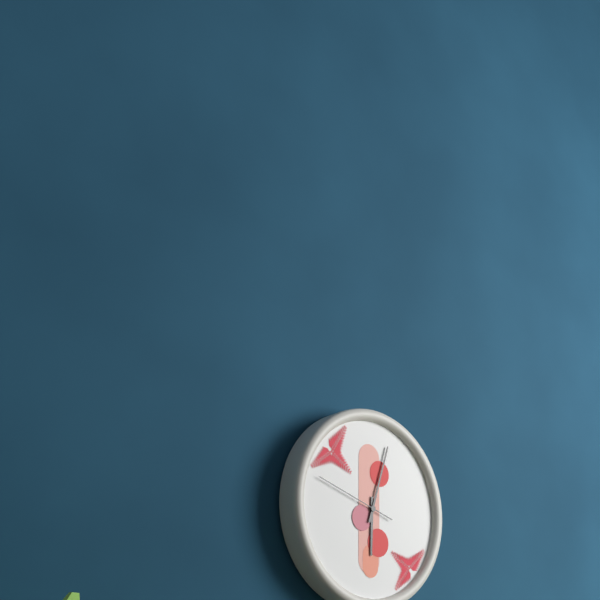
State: 6 h 03 min 48 s
